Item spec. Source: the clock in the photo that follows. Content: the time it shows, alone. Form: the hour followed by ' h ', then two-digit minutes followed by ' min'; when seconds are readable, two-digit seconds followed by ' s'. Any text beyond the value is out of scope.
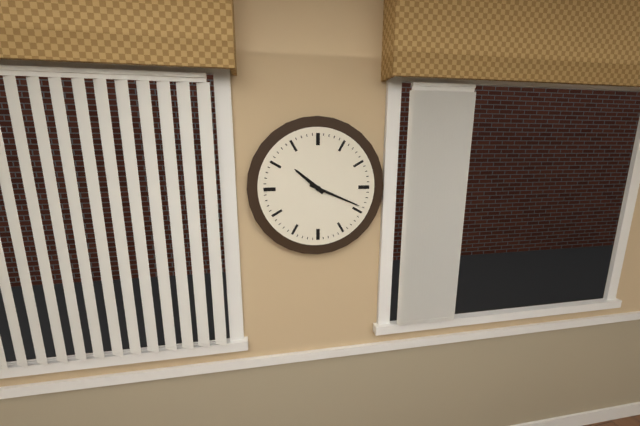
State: 10 h 19 min
